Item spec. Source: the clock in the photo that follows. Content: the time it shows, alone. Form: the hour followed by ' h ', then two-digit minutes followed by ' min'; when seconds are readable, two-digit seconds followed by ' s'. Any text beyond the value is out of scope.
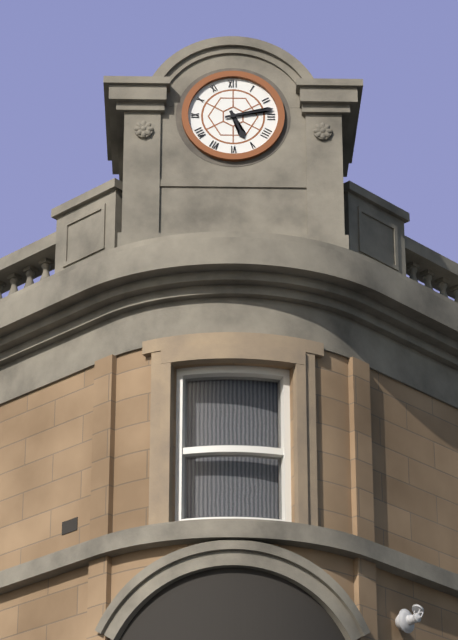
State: 5 h 13 min
